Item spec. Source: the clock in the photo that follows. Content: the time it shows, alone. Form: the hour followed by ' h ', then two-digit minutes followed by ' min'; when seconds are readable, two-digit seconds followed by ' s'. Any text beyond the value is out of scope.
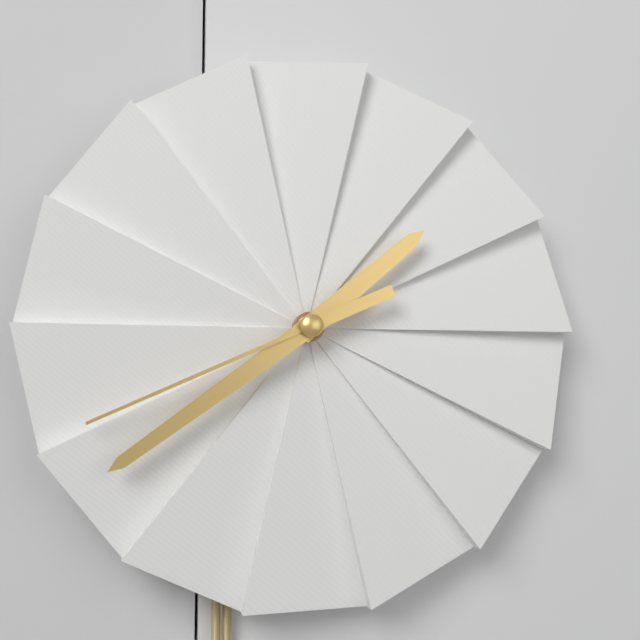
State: 1 h 39 min 41 s
